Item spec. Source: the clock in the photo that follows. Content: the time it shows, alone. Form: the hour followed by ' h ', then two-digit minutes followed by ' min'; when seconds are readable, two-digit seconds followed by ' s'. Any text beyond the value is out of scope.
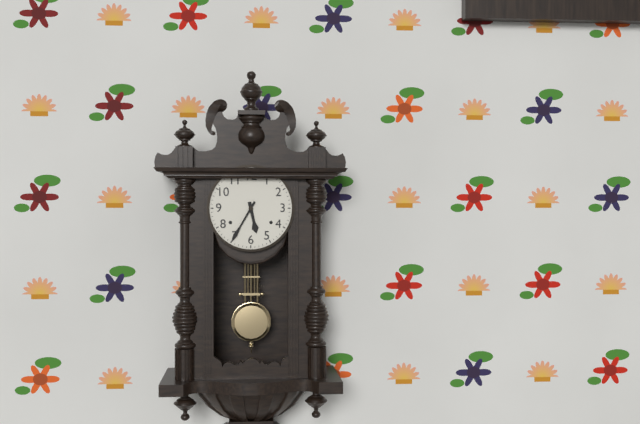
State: 5 h 35 min
